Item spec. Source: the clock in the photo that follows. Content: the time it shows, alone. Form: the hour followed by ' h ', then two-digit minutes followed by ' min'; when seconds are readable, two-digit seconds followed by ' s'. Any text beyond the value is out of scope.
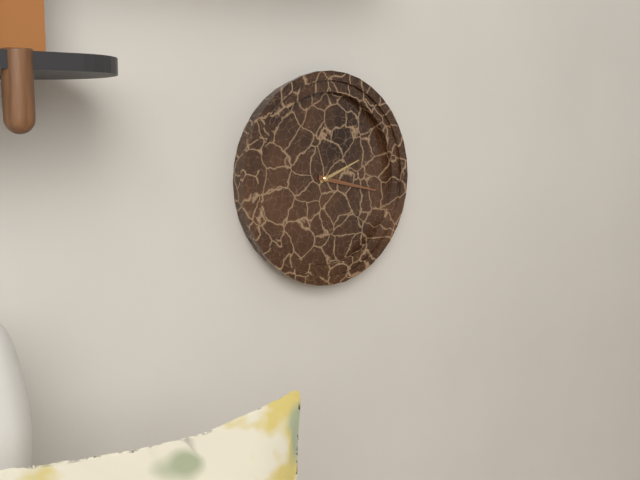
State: 2 h 17 min
